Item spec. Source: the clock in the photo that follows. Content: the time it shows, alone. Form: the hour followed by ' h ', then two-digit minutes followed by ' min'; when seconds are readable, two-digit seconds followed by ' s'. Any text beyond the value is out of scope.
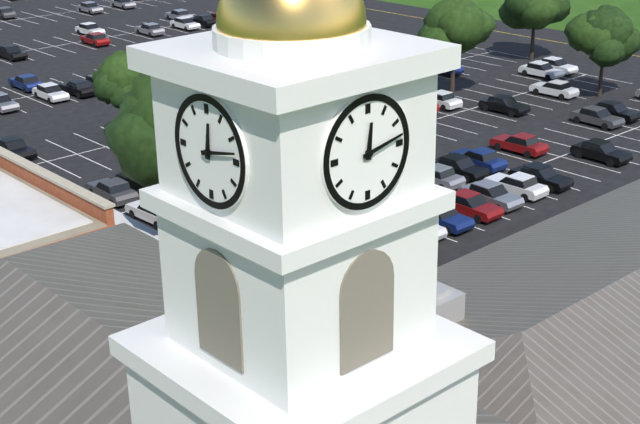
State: 12 h 13 min
